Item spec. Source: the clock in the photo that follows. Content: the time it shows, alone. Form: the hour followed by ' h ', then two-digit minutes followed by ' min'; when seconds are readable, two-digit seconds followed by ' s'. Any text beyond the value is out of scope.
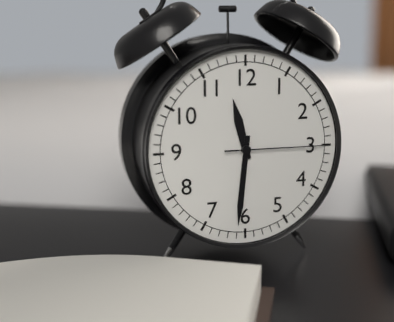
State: 11 h 31 min 15 s
